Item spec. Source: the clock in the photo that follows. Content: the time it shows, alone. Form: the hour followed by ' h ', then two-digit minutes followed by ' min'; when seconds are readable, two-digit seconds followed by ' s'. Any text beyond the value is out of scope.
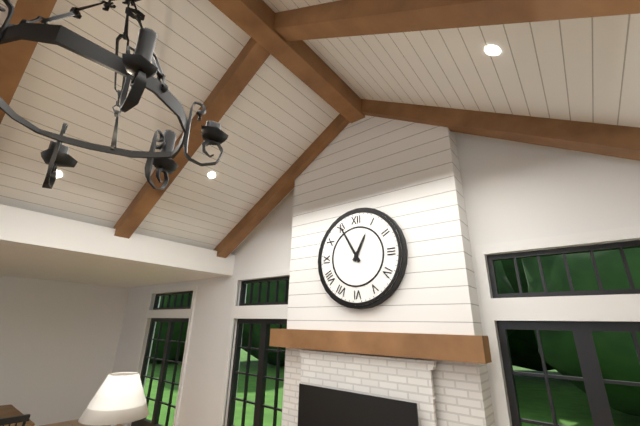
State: 12 h 55 min
